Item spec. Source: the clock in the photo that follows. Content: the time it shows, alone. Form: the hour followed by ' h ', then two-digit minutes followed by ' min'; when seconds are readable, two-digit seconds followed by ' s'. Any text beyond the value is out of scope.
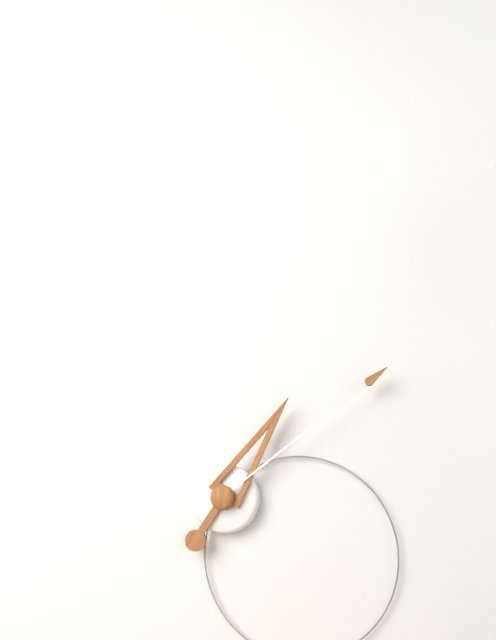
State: 1 h 09 min
